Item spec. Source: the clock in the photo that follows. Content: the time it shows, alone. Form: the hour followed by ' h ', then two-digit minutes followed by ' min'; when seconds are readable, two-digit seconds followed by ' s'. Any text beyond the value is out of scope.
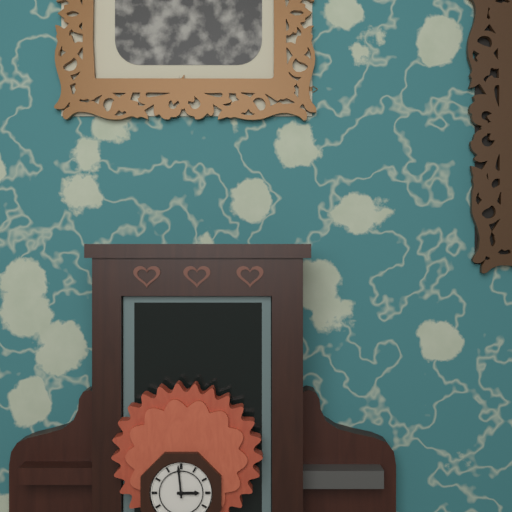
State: 2 h 59 min
